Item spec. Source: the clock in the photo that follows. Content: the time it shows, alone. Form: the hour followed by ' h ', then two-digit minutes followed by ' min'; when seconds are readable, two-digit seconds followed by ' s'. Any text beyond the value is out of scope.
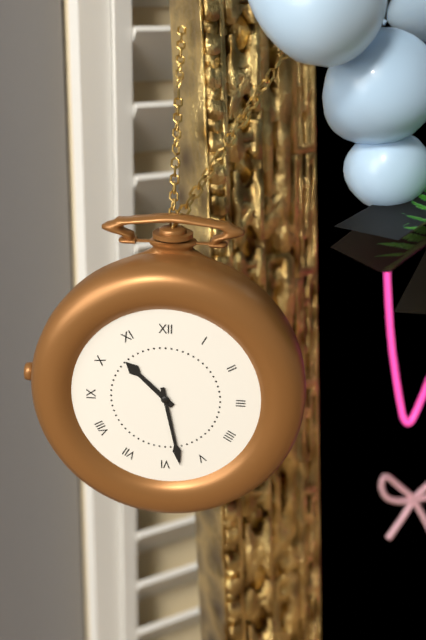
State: 10 h 28 min
